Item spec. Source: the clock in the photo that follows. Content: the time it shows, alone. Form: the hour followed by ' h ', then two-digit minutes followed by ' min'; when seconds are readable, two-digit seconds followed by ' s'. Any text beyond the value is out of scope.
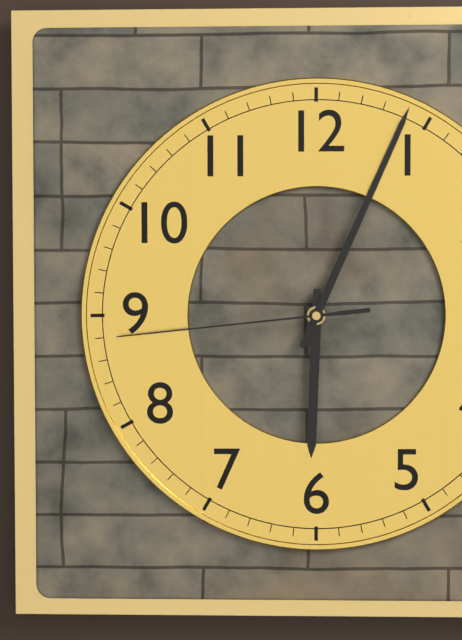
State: 6 h 04 min 44 s
